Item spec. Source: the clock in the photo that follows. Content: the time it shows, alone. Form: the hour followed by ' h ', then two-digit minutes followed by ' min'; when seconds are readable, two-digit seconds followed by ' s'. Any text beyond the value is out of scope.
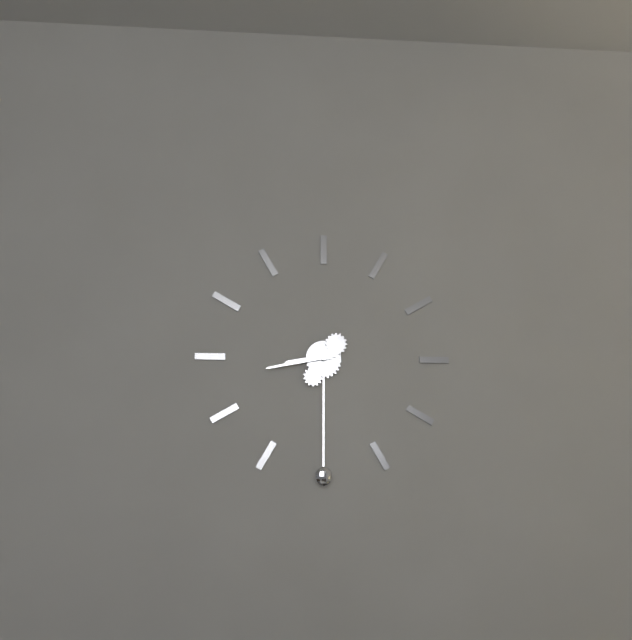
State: 8 h 43 min
